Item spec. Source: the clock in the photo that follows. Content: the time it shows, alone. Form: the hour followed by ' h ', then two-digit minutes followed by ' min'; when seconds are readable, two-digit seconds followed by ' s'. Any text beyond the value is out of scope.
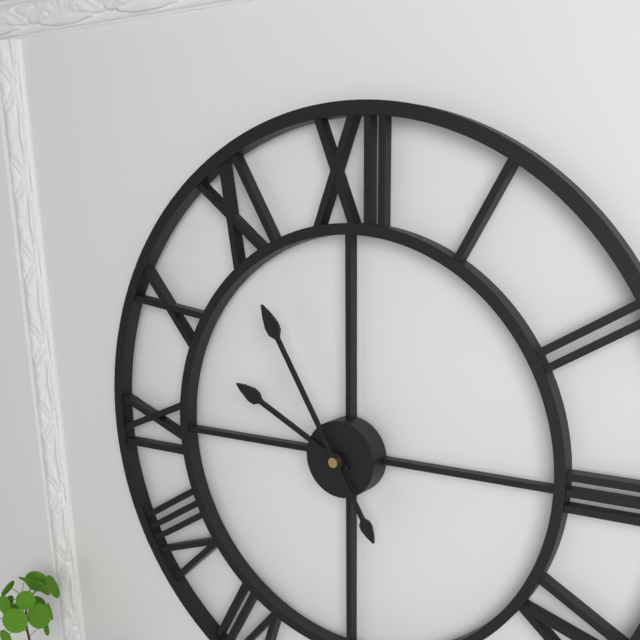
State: 9 h 55 min
